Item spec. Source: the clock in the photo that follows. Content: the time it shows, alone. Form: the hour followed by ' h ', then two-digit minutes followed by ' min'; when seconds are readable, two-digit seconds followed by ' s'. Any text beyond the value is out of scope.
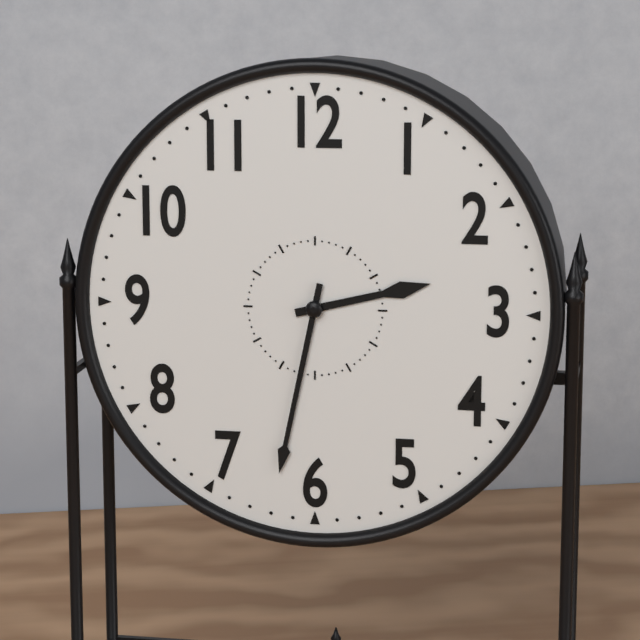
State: 2 h 32 min
